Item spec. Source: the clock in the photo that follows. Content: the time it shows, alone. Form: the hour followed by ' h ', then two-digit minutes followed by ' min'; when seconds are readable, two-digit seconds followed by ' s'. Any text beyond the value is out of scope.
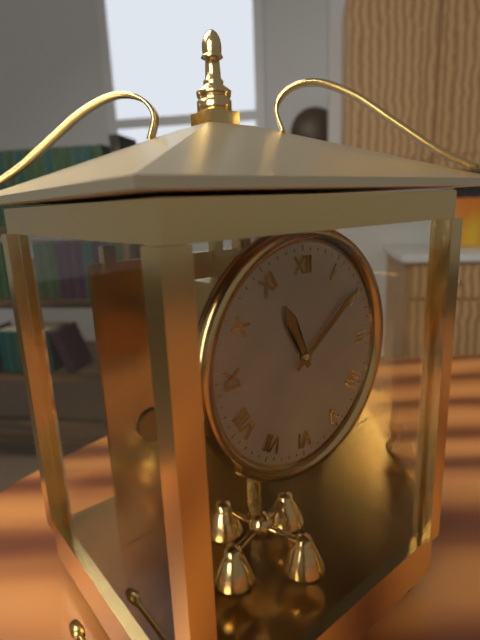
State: 11 h 09 min
